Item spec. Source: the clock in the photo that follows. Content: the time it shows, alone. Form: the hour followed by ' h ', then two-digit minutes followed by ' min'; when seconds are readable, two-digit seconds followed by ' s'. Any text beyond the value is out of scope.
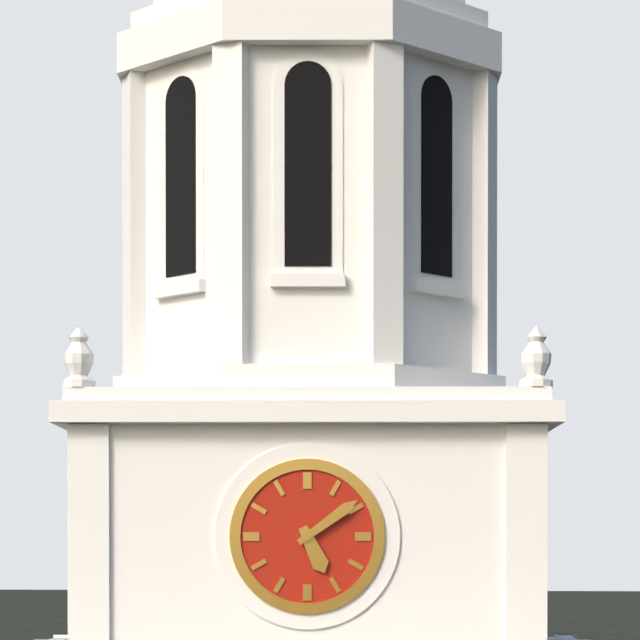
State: 5 h 09 min
